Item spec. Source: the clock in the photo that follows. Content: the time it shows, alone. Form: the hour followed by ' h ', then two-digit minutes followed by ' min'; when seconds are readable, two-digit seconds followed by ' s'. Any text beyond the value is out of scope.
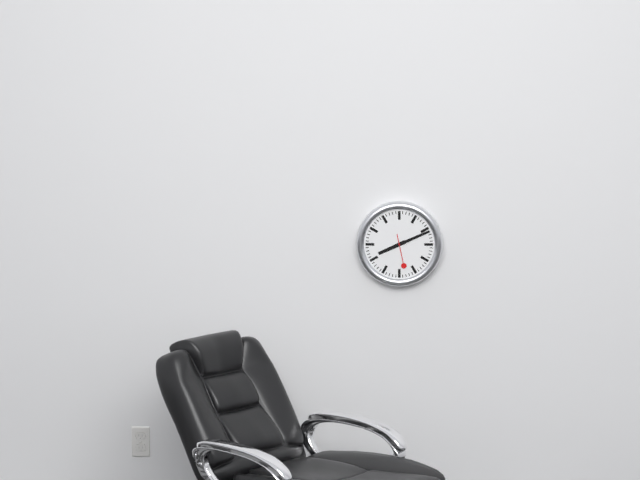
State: 8 h 11 min
